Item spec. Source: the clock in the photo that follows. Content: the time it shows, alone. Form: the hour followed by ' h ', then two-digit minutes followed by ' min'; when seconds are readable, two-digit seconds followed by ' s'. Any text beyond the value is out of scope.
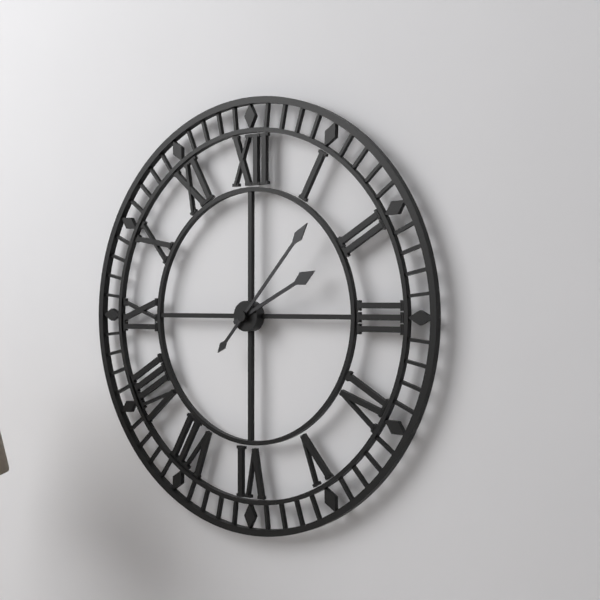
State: 2 h 07 min
